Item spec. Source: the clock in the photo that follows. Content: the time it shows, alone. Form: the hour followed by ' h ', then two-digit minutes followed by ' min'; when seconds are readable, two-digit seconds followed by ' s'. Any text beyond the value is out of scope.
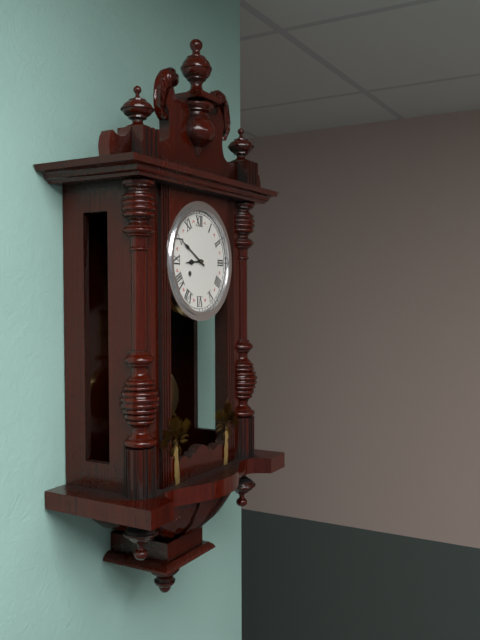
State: 8 h 50 min
